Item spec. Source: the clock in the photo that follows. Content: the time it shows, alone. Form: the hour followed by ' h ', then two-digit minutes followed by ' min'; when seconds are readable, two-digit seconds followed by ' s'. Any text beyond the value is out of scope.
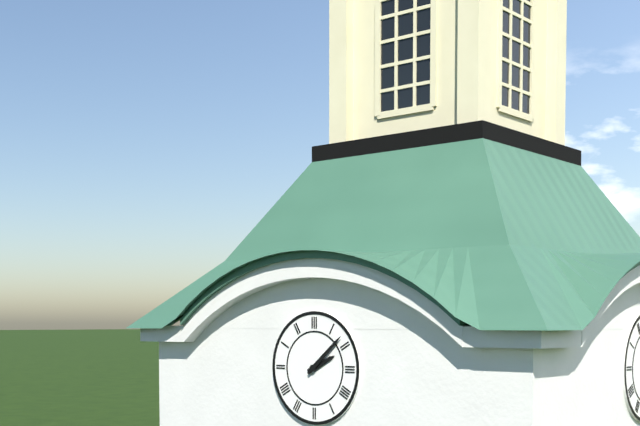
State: 2 h 08 min
